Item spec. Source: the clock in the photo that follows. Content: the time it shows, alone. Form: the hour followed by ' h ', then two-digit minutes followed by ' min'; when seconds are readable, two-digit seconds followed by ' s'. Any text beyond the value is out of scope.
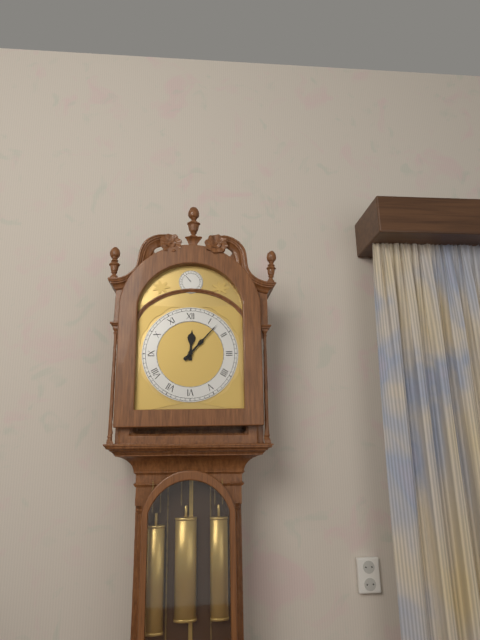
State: 12 h 07 min
